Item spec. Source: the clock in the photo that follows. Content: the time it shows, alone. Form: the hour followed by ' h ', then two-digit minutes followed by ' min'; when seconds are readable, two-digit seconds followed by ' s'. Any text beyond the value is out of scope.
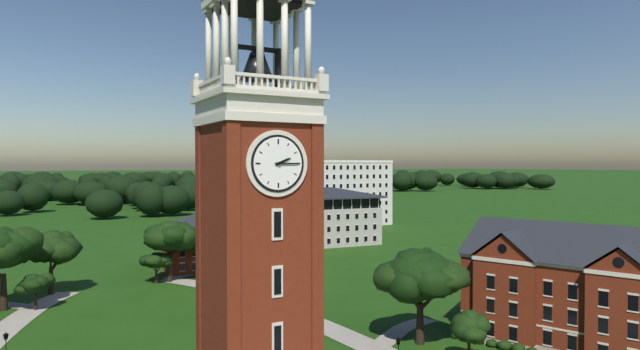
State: 2 h 15 min
